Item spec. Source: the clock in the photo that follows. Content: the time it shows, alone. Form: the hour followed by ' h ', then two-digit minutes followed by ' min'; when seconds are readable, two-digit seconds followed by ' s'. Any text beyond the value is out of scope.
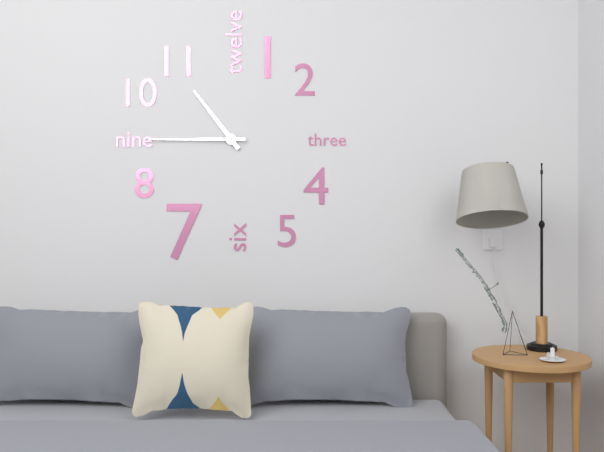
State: 10 h 45 min
